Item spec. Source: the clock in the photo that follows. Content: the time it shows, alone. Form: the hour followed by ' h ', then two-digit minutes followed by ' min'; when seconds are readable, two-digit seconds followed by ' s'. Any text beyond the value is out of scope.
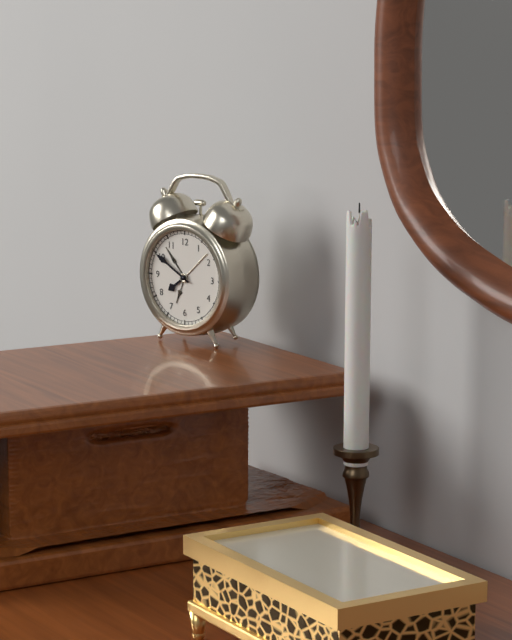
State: 7 h 50 min
